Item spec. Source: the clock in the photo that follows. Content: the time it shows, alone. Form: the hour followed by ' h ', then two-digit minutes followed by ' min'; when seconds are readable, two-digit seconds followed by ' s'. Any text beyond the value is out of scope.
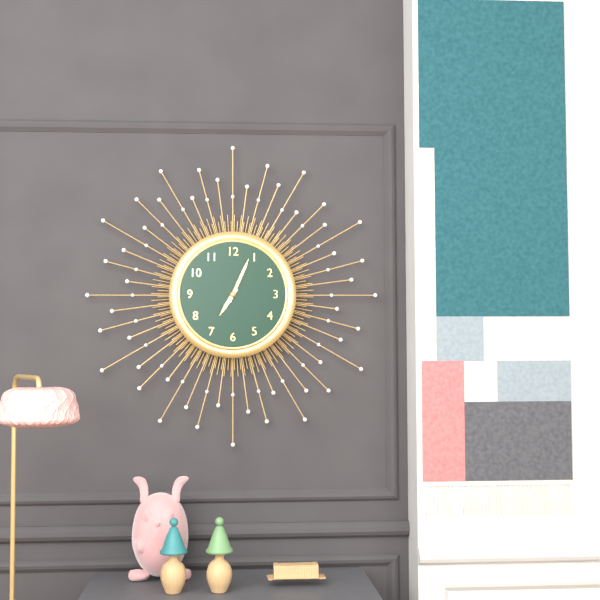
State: 7 h 04 min
